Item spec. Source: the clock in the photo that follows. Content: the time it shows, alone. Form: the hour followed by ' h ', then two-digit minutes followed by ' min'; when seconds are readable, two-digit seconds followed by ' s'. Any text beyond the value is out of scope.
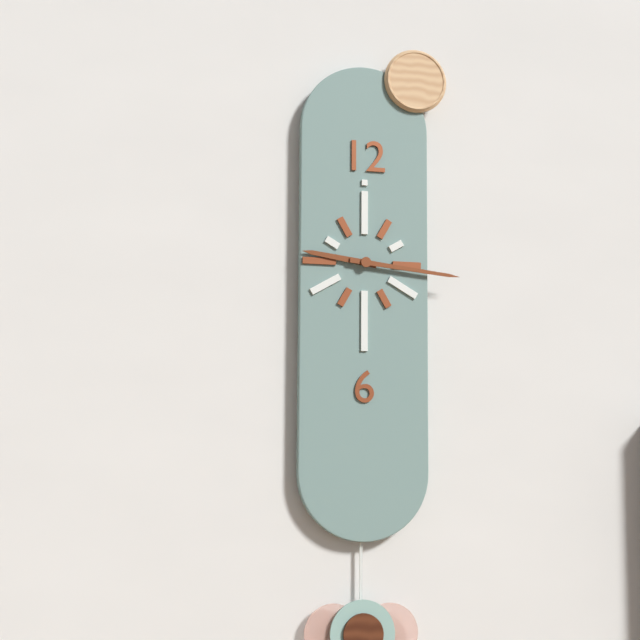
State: 9 h 16 min
